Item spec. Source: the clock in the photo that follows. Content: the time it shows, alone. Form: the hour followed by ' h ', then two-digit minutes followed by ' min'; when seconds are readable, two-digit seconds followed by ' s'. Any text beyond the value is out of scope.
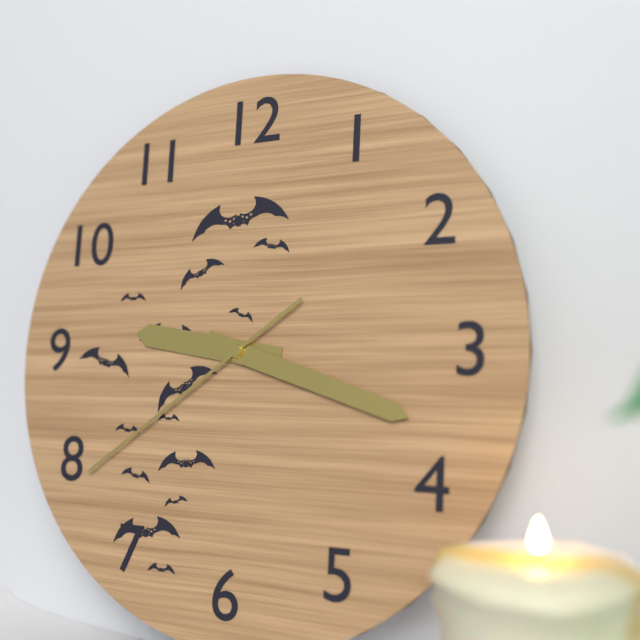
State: 9 h 18 min 39 s
